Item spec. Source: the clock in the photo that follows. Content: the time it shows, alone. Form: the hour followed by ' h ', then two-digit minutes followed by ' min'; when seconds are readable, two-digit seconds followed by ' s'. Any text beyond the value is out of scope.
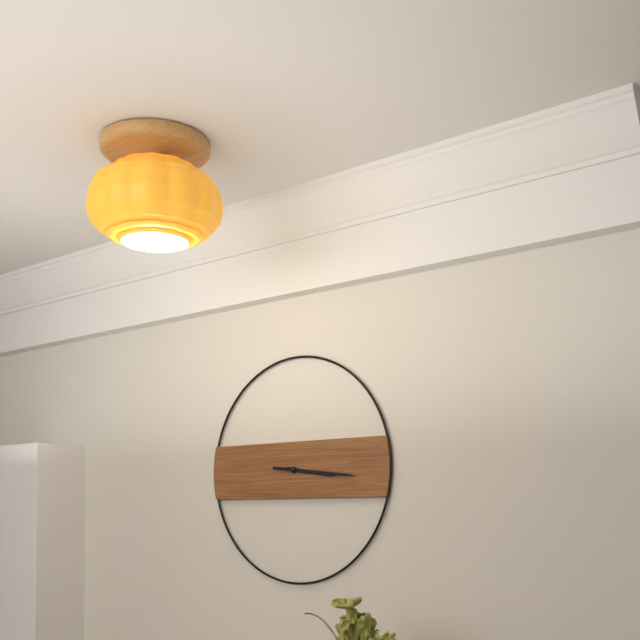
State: 3 h 16 min
